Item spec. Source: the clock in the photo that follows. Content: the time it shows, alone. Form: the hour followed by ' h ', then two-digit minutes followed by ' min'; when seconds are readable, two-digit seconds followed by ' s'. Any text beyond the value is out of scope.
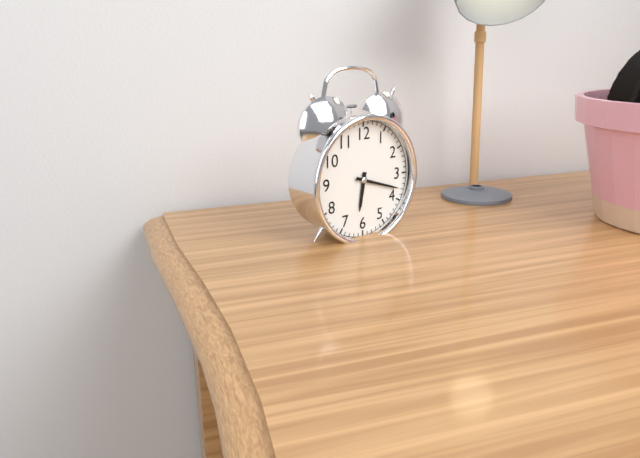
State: 6 h 18 min
